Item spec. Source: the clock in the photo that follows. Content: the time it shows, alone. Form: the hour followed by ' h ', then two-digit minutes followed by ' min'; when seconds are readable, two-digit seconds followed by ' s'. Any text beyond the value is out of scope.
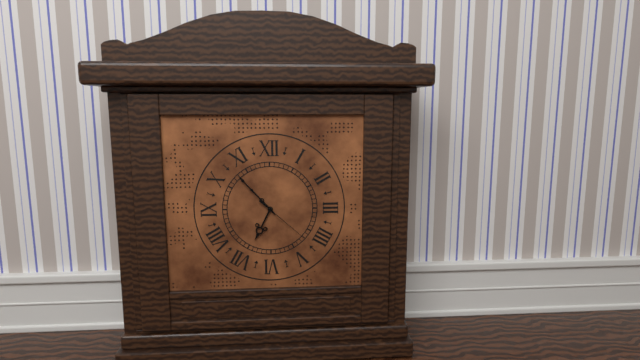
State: 6 h 53 min 22 s
